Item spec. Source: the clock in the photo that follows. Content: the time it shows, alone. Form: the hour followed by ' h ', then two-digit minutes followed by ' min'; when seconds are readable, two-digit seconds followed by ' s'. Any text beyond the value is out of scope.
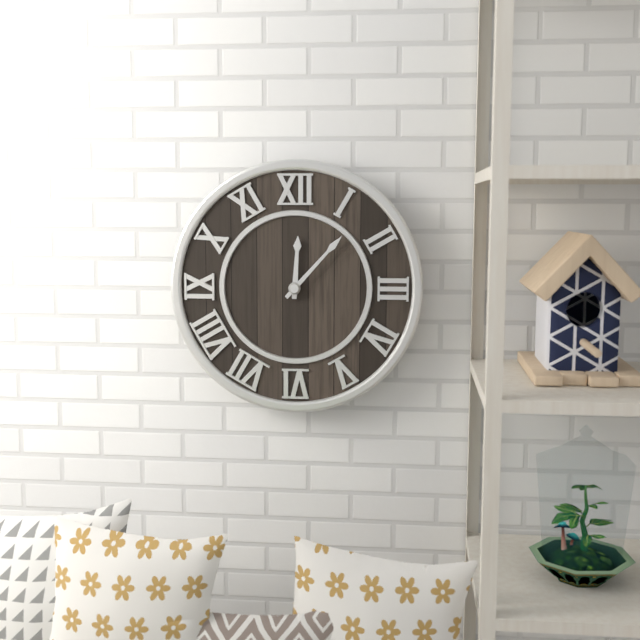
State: 12 h 07 min
